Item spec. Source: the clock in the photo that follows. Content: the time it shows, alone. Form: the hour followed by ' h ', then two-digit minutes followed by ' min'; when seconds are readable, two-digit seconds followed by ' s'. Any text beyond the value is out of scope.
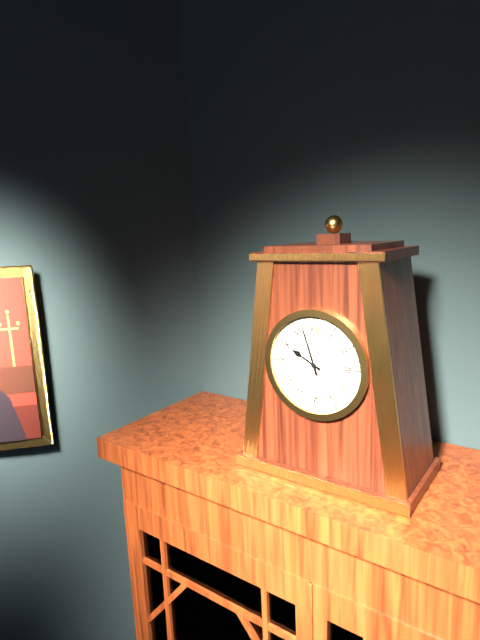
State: 9 h 57 min
